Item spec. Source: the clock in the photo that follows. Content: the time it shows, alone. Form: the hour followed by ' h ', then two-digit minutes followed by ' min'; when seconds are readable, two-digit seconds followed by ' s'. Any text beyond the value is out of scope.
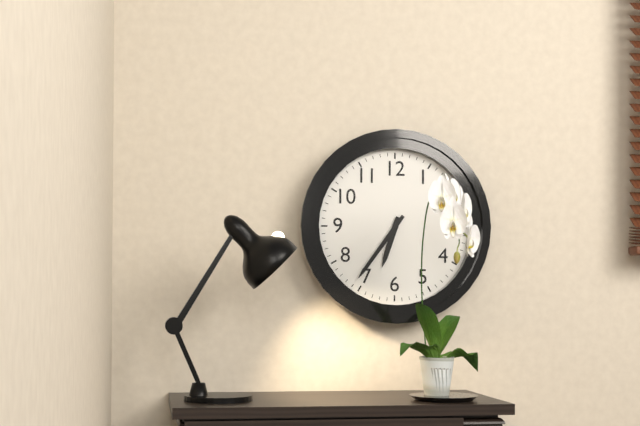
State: 6 h 36 min
